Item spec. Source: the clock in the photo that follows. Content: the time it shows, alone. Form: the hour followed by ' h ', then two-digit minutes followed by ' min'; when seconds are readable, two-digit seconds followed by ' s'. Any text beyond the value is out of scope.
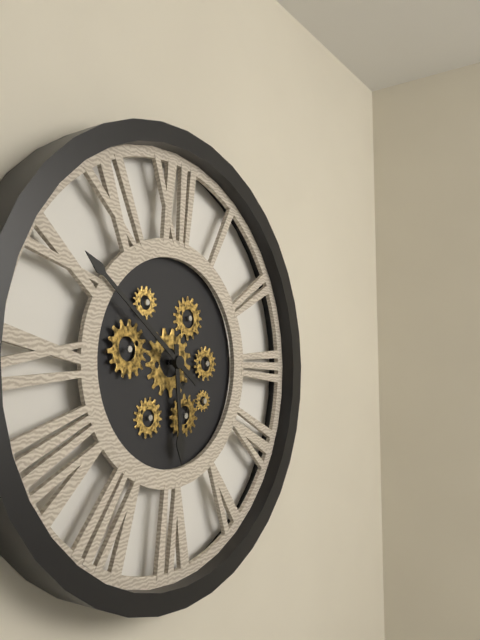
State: 5 h 51 min
